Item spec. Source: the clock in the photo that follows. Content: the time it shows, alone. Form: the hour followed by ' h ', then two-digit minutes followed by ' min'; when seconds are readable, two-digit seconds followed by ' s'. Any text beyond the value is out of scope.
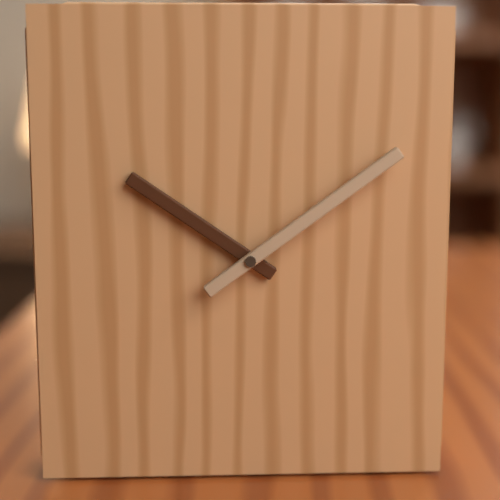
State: 10 h 09 min
